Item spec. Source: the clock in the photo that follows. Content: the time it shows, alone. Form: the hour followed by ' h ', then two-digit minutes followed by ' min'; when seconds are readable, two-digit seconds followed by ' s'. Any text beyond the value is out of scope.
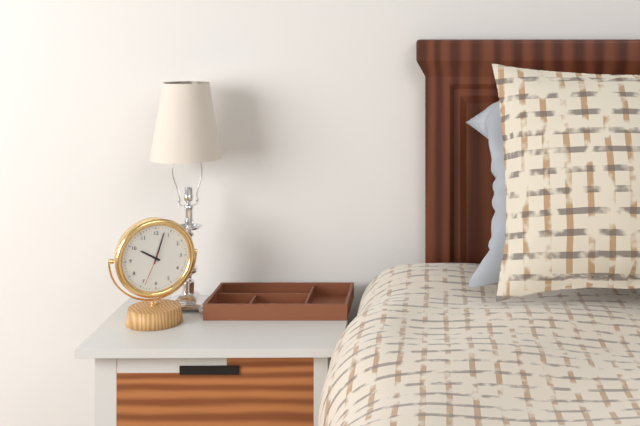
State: 10 h 03 min
